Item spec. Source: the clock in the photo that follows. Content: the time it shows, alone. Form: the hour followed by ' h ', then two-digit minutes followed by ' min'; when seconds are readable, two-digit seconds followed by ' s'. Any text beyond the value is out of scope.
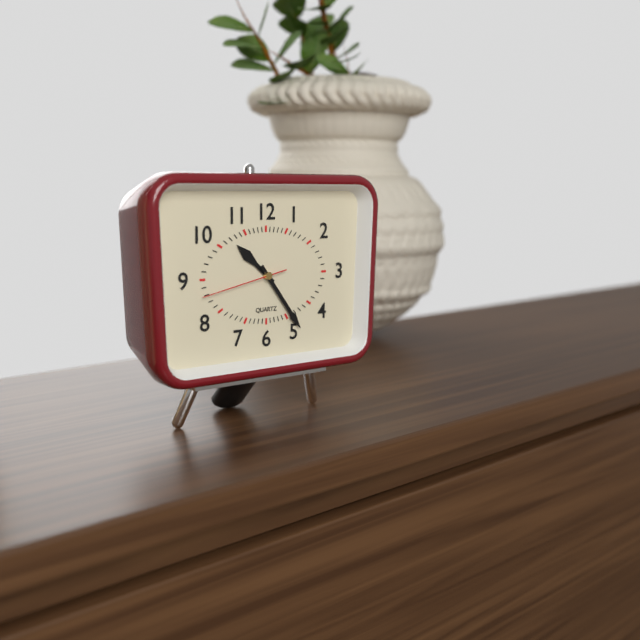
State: 10 h 24 min 43 s
